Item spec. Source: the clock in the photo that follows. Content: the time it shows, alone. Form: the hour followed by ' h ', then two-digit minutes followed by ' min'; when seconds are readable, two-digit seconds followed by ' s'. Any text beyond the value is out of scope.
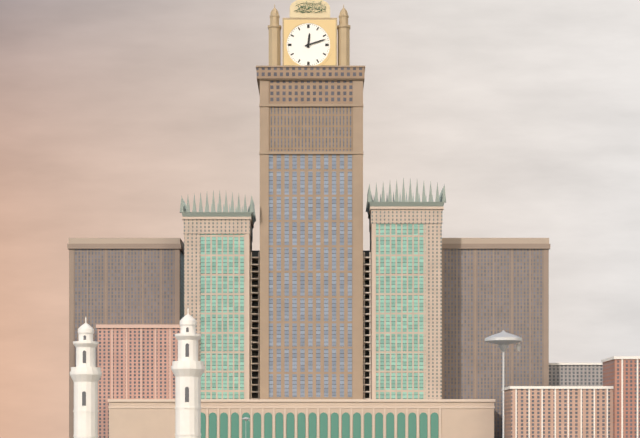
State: 12 h 12 min
